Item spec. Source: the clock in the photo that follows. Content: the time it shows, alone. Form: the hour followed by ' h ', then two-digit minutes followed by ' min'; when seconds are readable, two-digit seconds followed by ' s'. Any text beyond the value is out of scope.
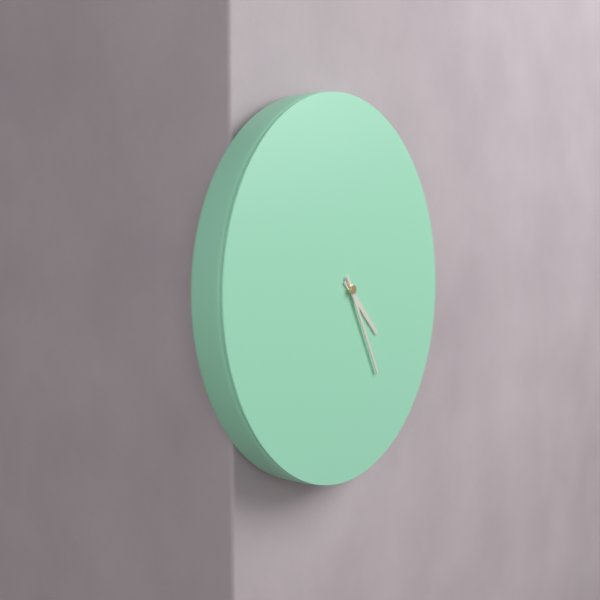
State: 4 h 25 min
